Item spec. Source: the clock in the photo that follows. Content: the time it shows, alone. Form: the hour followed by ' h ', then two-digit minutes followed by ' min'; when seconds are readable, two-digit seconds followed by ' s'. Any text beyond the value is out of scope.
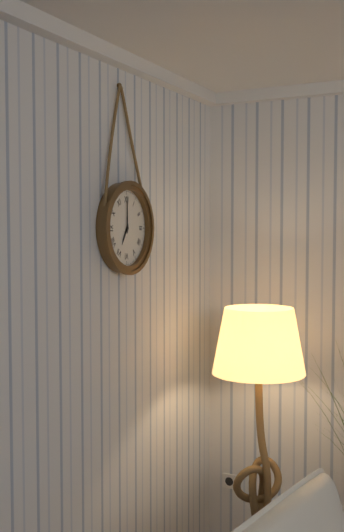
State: 7 h 00 min
